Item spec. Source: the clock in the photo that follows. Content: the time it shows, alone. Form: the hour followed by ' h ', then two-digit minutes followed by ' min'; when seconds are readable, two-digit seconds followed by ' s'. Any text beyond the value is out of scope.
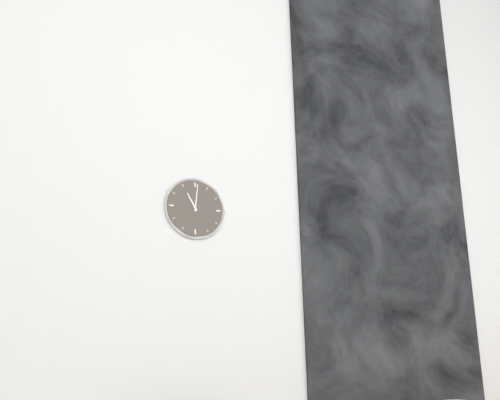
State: 11 h 01 min
